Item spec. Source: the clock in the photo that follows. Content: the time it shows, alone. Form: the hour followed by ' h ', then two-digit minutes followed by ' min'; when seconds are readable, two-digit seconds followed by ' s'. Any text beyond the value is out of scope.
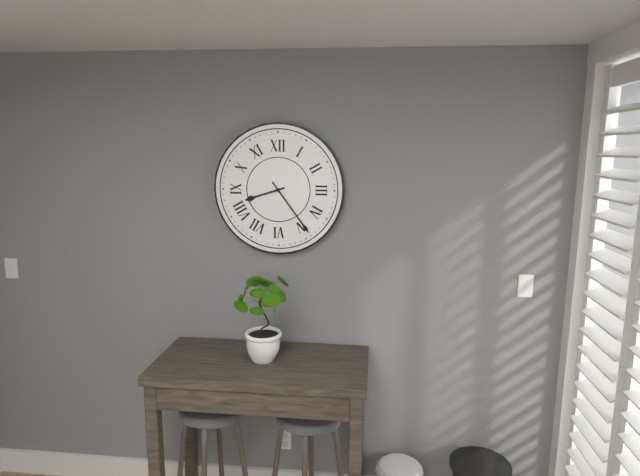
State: 8 h 24 min
